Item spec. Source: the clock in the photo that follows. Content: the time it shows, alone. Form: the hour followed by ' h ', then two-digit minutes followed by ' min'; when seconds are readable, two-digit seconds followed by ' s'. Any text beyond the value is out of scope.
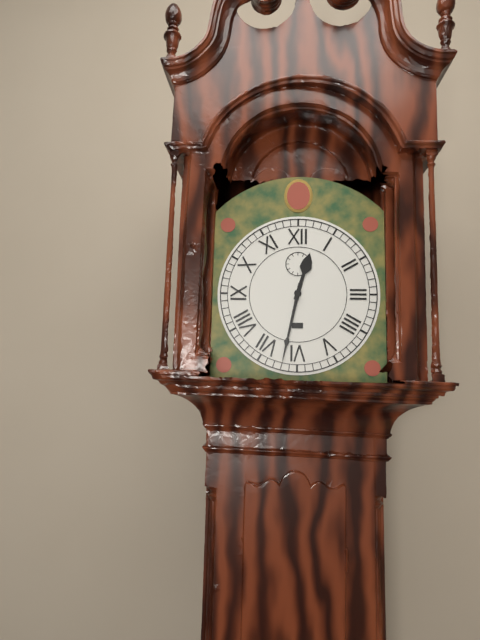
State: 12 h 32 min
